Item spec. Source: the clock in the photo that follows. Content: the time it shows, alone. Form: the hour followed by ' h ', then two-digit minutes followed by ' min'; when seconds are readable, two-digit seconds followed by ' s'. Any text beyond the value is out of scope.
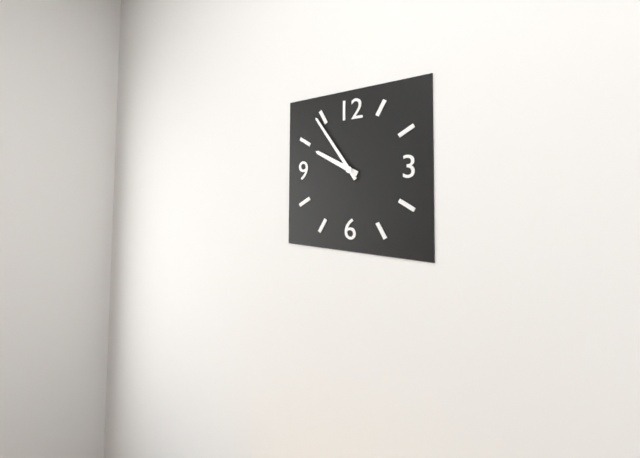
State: 9 h 54 min
